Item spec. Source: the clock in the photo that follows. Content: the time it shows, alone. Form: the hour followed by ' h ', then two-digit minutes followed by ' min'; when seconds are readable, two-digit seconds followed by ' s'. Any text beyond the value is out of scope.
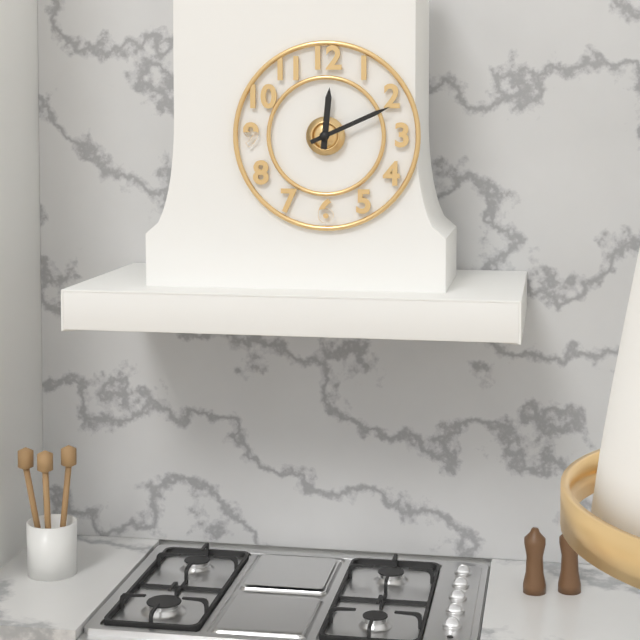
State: 12 h 11 min
